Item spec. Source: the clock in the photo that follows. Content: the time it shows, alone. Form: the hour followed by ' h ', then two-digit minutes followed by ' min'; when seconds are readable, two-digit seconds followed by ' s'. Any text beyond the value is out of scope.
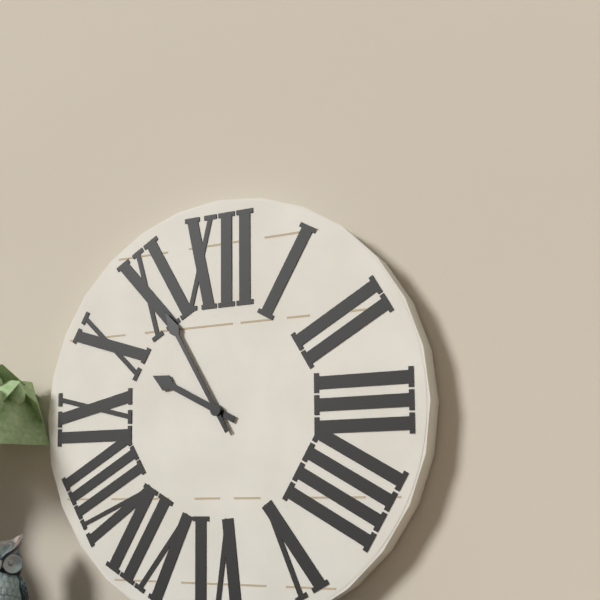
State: 9 h 55 min
